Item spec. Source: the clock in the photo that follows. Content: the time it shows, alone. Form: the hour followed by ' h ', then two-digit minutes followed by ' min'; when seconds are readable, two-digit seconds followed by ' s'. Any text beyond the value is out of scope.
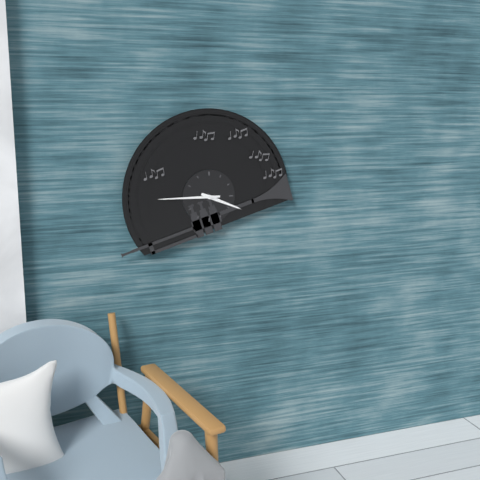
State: 3 h 45 min
